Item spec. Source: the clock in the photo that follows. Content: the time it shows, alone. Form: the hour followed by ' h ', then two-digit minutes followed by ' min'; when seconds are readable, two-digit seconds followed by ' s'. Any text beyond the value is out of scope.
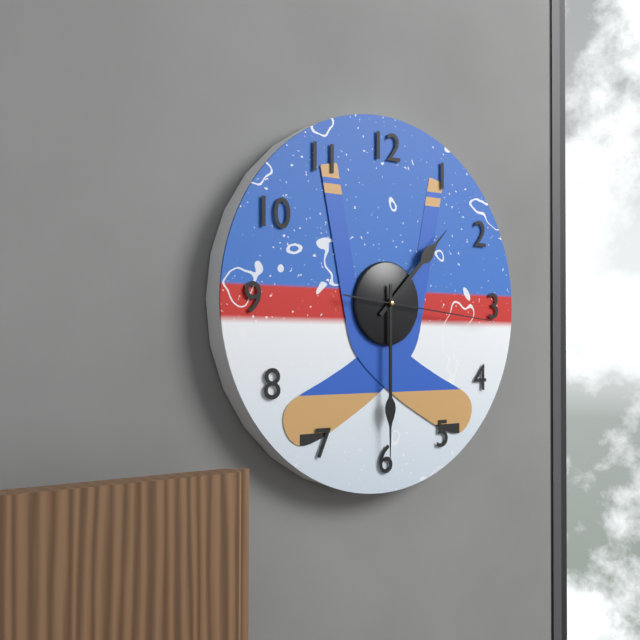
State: 1 h 30 min 16 s
